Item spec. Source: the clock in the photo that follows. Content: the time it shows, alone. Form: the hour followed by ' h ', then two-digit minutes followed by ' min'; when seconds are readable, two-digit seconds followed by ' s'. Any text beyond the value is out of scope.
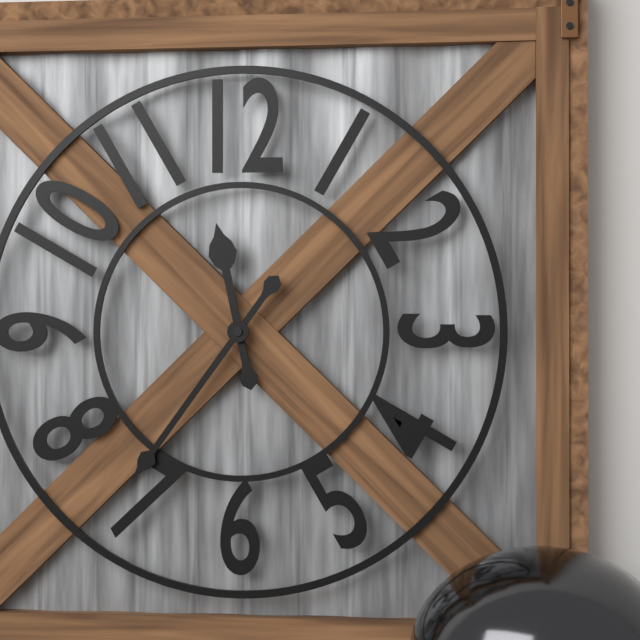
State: 11 h 36 min
